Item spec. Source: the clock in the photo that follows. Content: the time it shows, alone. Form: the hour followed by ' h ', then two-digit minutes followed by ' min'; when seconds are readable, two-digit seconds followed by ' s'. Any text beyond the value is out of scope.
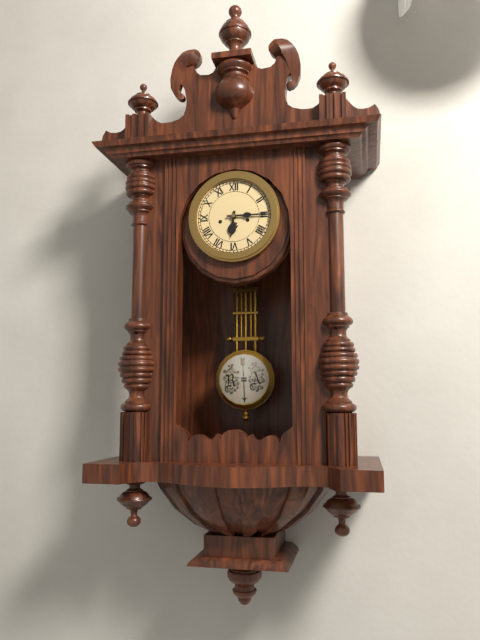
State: 6 h 15 min
